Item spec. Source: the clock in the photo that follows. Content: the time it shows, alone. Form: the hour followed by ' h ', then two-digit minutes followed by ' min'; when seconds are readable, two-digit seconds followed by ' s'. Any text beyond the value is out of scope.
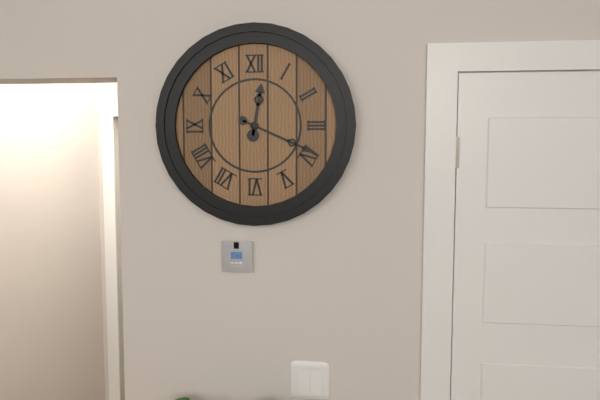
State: 12 h 19 min
